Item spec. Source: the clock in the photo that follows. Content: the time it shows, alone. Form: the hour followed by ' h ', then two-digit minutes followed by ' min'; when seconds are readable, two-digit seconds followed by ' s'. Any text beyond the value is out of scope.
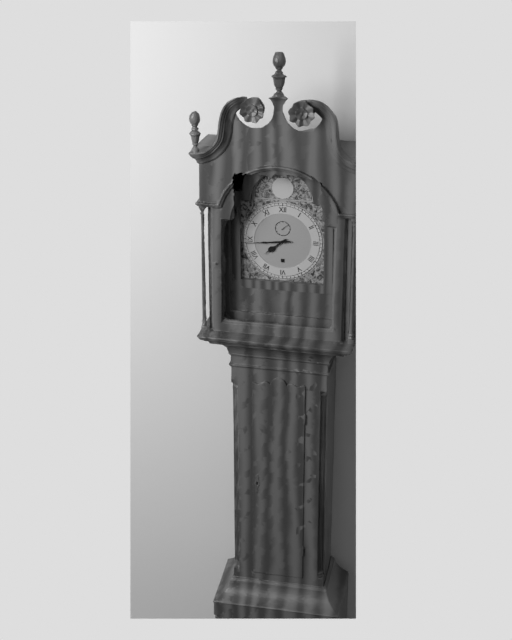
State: 7 h 44 min
